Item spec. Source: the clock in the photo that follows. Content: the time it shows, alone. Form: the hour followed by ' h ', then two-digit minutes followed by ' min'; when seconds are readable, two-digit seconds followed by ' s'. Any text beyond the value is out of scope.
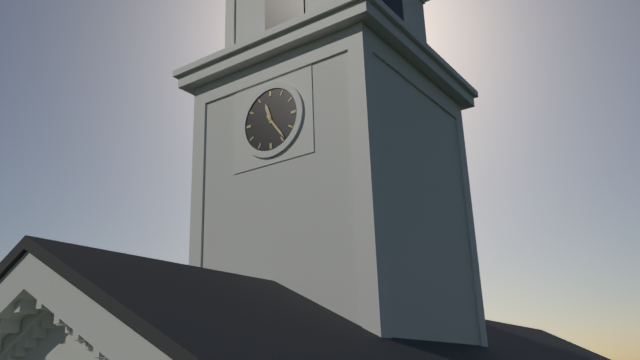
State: 11 h 24 min
